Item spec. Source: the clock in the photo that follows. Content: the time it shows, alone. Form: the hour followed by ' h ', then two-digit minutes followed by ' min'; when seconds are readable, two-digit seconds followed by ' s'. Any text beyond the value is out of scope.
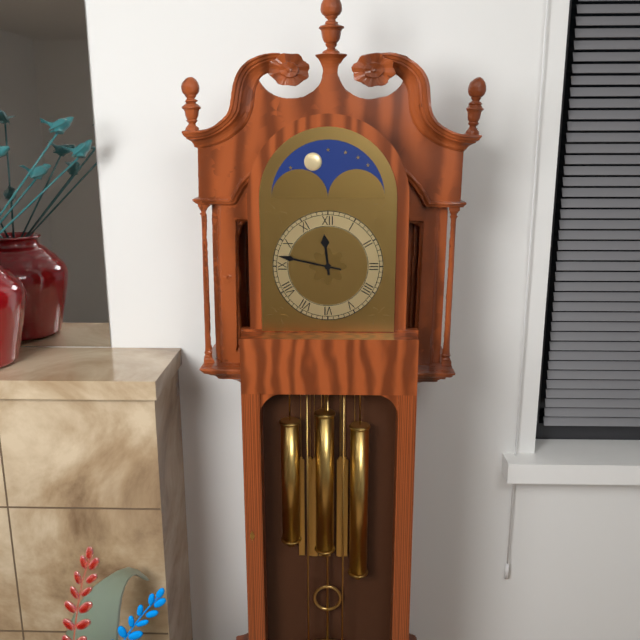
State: 11 h 47 min
